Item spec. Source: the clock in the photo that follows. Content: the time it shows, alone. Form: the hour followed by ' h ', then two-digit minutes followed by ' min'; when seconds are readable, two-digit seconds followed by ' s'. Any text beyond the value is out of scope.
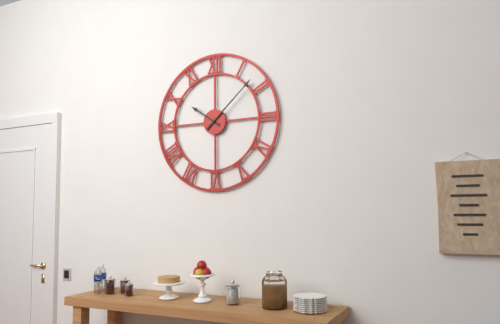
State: 10 h 08 min
